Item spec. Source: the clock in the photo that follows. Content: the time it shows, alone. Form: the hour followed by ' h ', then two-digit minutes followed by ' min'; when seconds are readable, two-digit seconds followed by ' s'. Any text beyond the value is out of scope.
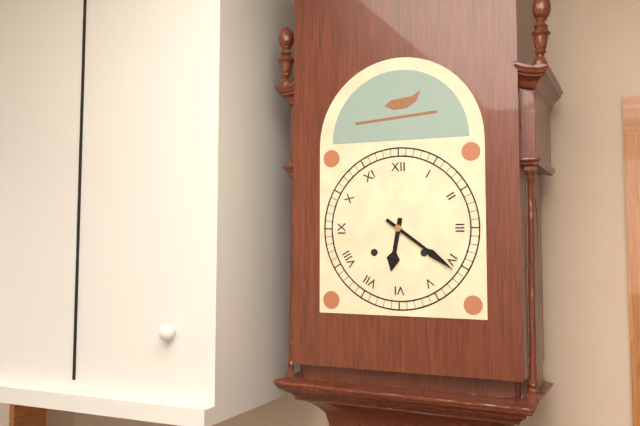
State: 6 h 21 min
